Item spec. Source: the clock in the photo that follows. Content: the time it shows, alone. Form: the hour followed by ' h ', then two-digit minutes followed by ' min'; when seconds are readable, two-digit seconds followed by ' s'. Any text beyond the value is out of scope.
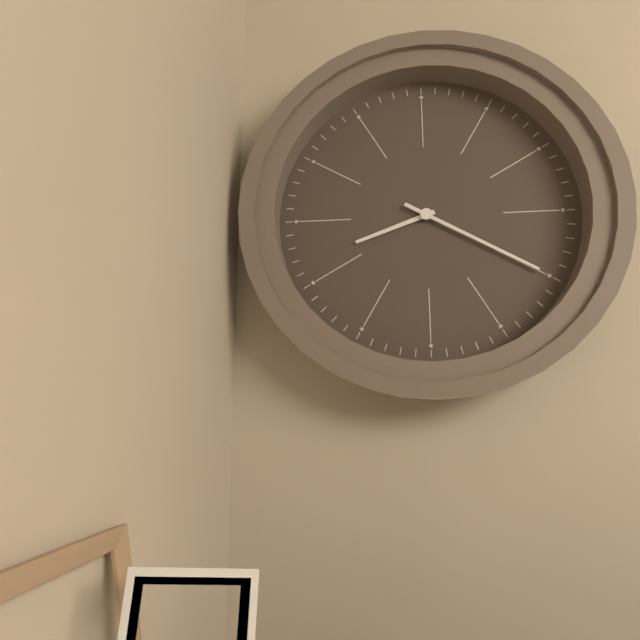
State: 8 h 20 min
